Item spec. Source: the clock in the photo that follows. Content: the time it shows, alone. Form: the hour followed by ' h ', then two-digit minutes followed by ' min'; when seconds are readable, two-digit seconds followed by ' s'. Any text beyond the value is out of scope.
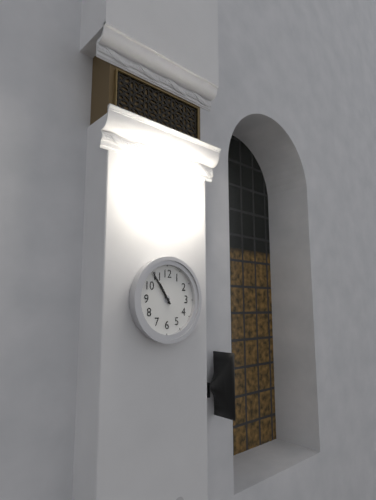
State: 10 h 54 min
